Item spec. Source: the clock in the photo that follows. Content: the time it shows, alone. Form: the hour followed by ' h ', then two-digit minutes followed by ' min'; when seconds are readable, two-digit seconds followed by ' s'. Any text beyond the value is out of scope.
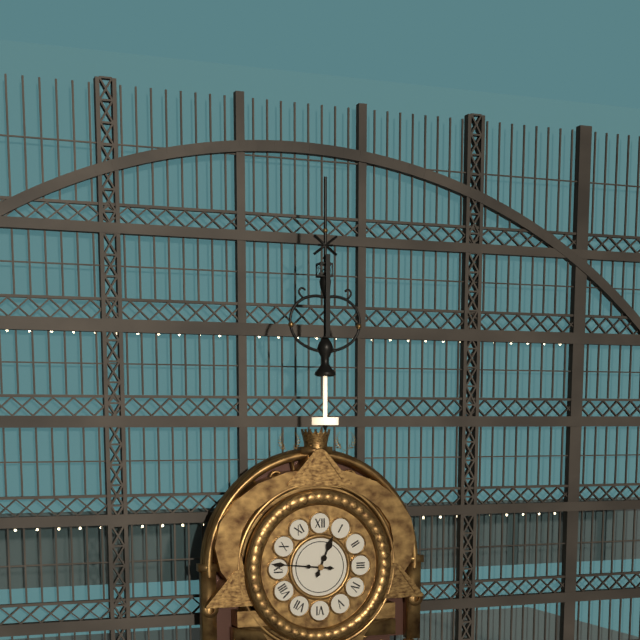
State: 12 h 46 min
